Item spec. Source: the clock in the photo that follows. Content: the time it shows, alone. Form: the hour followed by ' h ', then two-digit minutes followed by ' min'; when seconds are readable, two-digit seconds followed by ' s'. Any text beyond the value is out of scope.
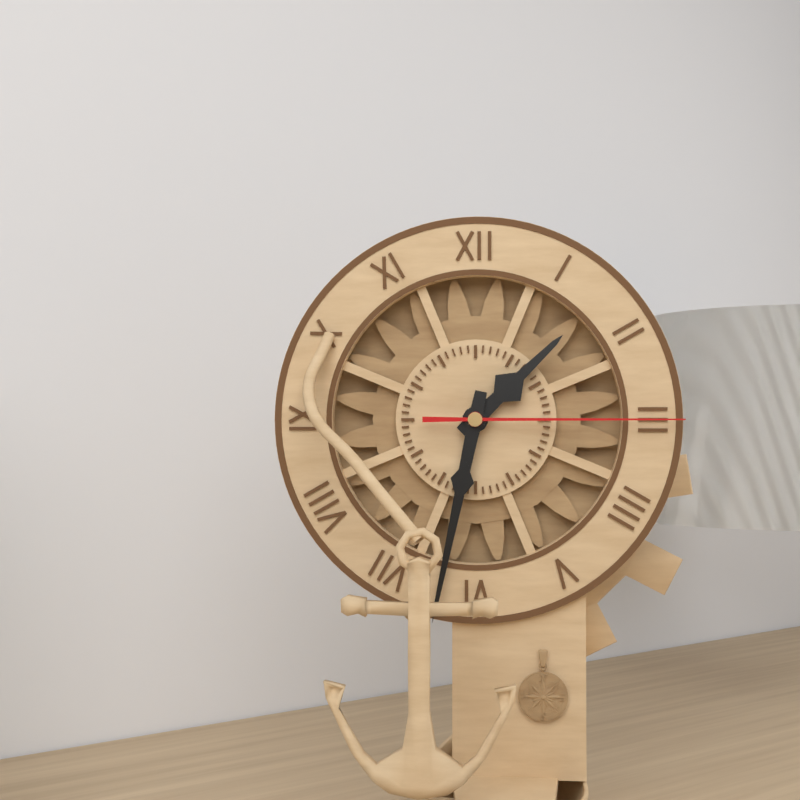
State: 1 h 32 min 15 s
